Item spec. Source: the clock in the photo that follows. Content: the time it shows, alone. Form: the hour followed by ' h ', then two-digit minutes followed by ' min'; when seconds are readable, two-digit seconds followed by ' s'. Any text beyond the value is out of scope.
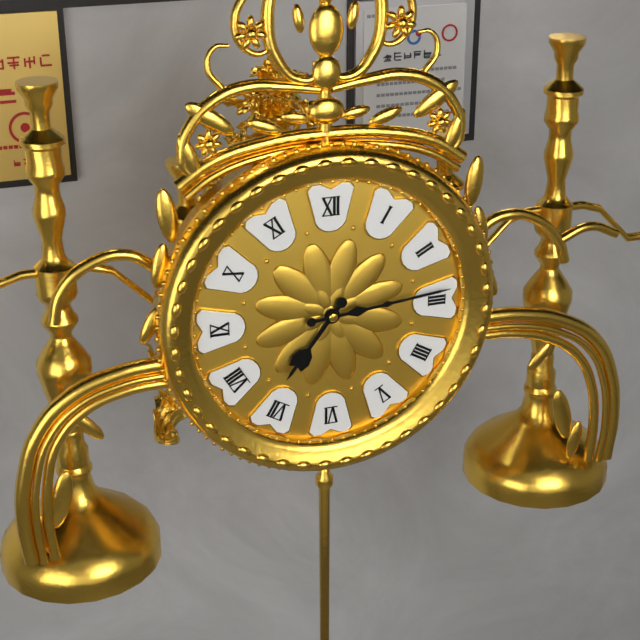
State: 7 h 14 min
